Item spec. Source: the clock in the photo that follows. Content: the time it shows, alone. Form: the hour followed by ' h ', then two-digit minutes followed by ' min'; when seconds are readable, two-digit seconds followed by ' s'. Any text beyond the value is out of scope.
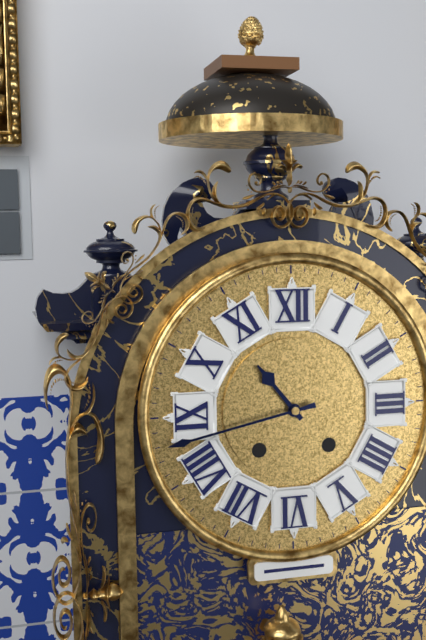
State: 10 h 43 min
